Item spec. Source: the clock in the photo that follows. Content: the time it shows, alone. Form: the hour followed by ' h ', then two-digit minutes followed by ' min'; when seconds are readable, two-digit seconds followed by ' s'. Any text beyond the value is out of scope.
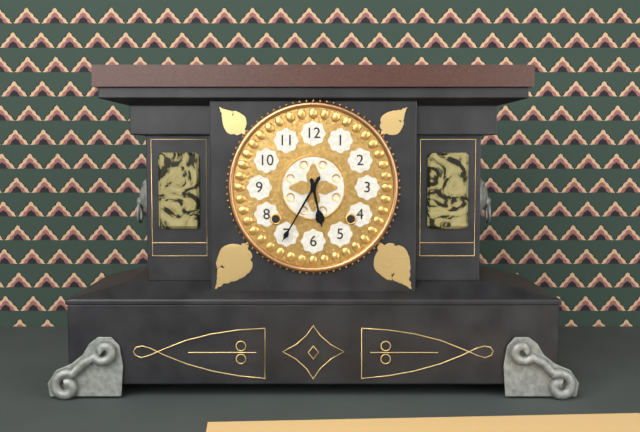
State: 5 h 35 min
